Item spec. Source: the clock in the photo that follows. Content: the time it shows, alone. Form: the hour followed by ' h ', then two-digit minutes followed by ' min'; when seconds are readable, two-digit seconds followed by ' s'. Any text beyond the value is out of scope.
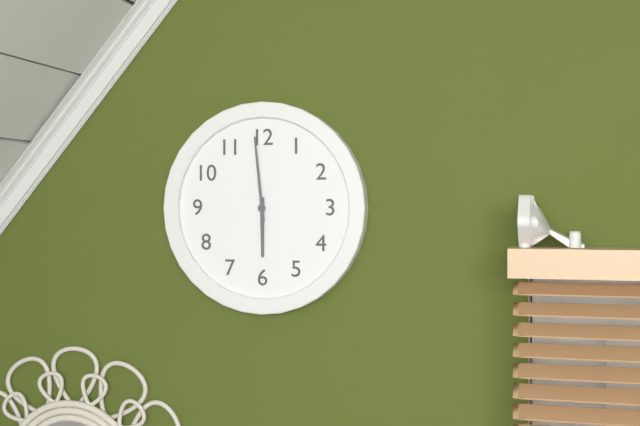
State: 5 h 59 min
